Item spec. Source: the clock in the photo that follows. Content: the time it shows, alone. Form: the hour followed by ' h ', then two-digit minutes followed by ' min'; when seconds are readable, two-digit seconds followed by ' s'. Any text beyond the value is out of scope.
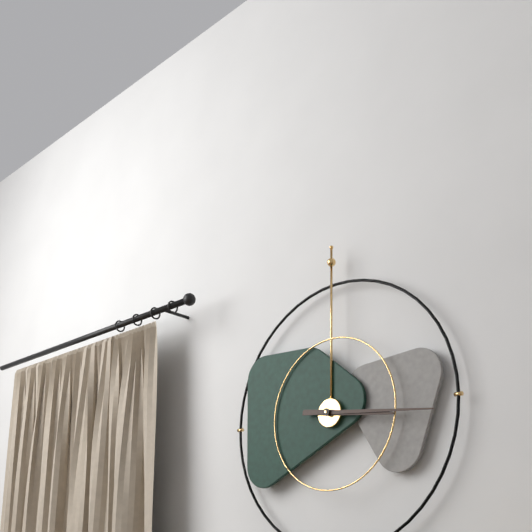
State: 3 h 16 min
